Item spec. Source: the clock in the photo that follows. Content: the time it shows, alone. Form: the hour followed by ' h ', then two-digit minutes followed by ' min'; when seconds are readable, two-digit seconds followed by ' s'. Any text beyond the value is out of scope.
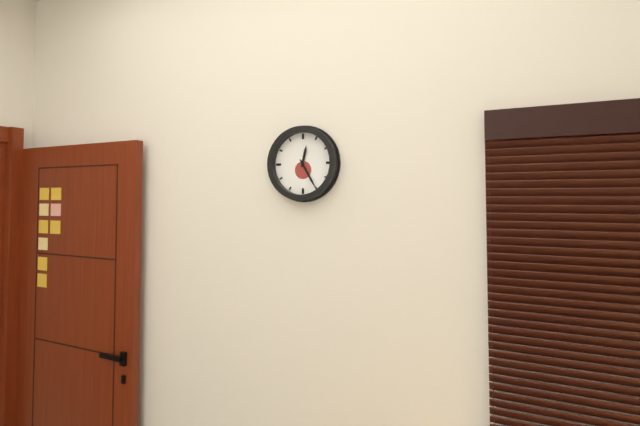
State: 12 h 25 min
